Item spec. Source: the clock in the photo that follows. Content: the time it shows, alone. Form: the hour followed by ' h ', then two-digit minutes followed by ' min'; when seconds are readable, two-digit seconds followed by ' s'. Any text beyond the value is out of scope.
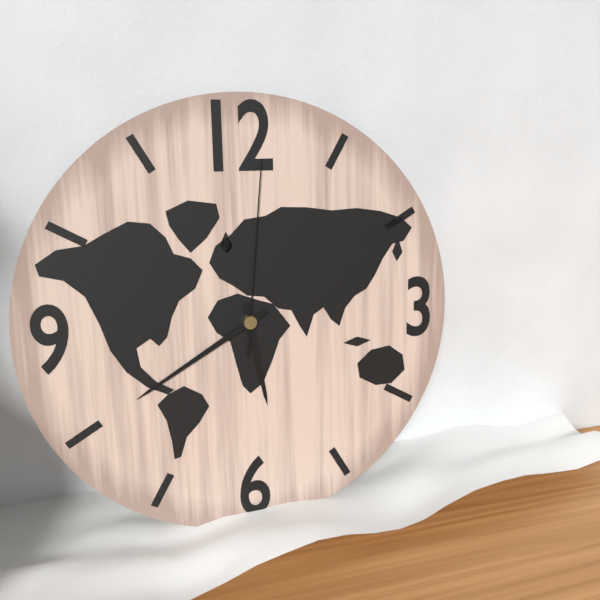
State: 5 h 40 min 01 s
